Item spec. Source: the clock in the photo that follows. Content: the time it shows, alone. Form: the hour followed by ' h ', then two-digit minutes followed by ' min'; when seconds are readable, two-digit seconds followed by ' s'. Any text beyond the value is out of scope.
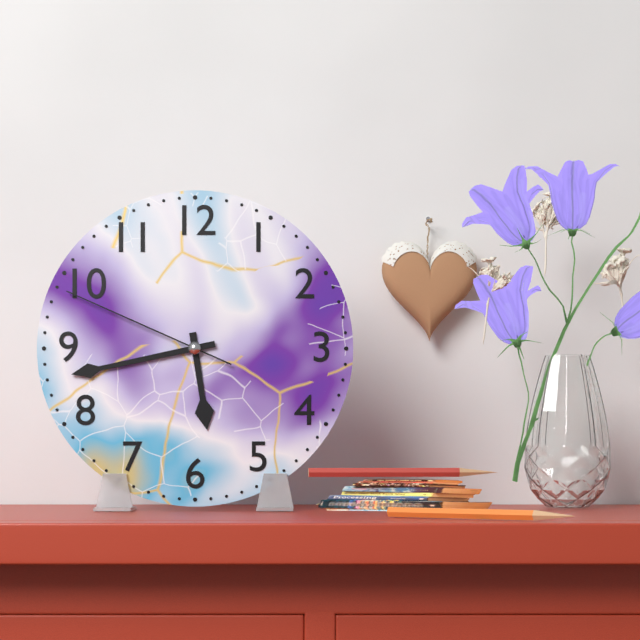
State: 5 h 43 min 49 s
